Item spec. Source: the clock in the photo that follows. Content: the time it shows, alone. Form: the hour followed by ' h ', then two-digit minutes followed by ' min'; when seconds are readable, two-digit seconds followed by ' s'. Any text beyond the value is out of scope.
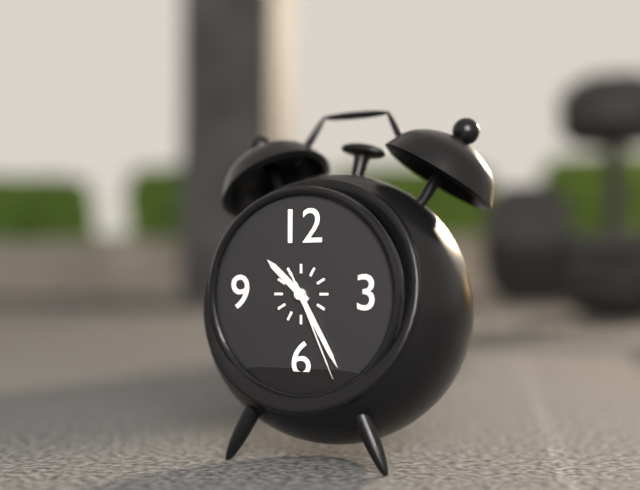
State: 10 h 25 min 26 s
